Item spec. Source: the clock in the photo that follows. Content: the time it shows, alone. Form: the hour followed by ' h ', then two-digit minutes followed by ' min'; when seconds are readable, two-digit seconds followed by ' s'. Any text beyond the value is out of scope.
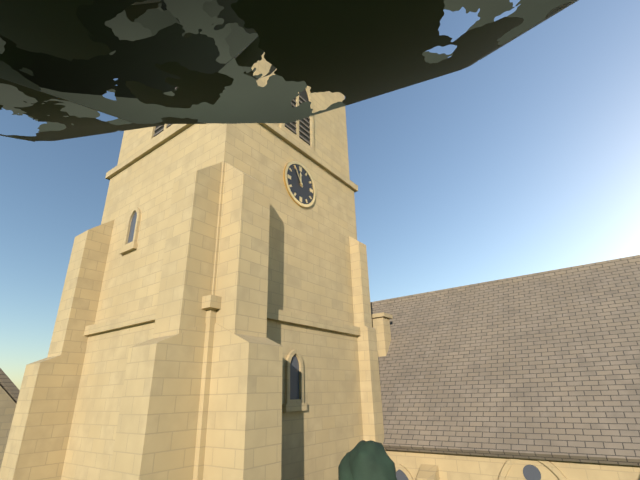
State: 11 h 55 min
